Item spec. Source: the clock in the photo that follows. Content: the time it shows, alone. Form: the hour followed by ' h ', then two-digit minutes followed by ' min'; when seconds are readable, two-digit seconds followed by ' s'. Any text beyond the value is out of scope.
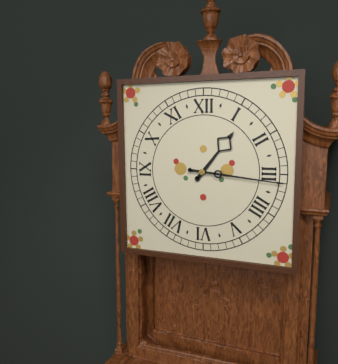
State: 1 h 16 min
